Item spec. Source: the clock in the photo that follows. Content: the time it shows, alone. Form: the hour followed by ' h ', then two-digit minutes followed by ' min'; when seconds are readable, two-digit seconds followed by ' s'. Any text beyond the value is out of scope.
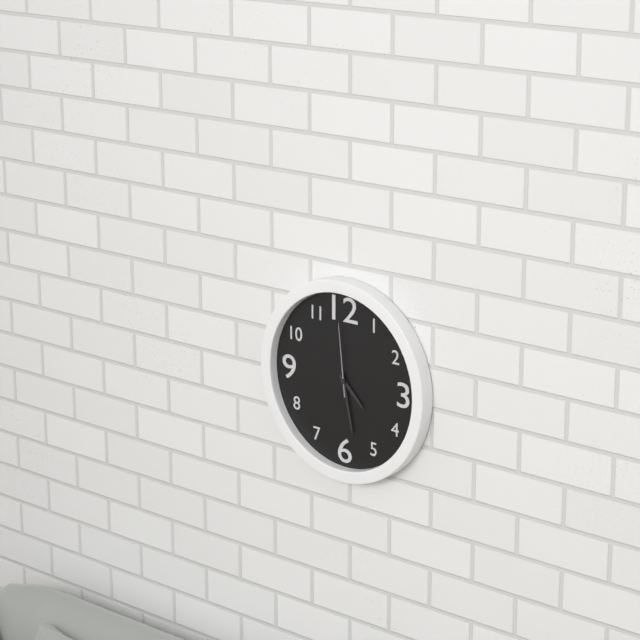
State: 4 h 28 min 59 s
